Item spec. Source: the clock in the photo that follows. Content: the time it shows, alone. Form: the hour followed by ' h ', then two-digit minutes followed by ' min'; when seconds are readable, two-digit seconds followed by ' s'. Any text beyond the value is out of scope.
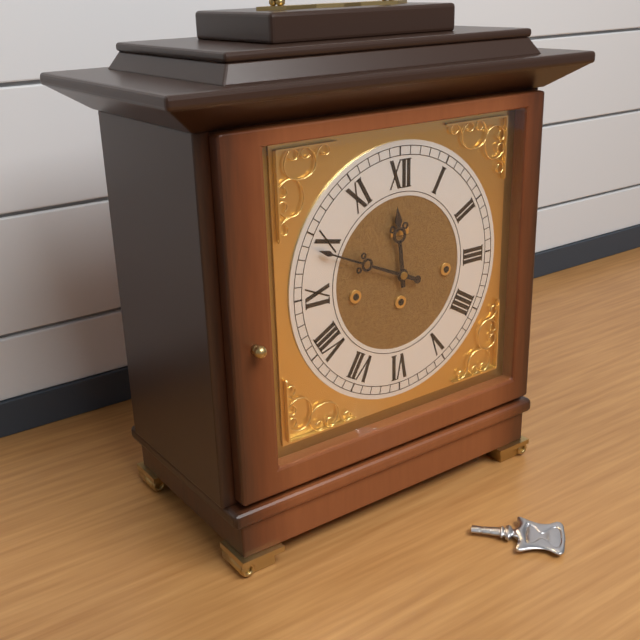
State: 11 h 49 min
